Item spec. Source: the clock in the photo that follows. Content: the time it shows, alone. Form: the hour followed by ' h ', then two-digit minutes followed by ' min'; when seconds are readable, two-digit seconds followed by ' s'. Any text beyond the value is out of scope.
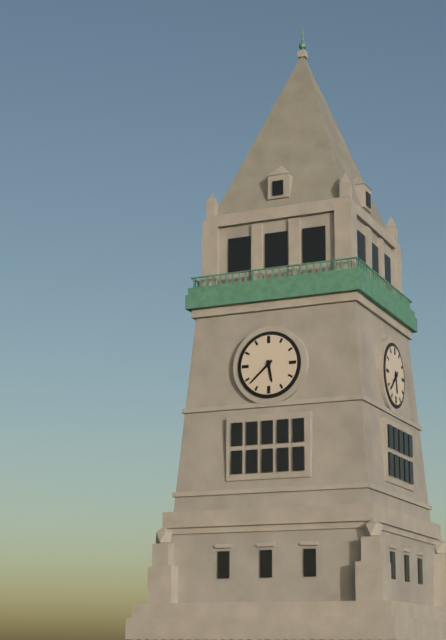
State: 5 h 38 min
